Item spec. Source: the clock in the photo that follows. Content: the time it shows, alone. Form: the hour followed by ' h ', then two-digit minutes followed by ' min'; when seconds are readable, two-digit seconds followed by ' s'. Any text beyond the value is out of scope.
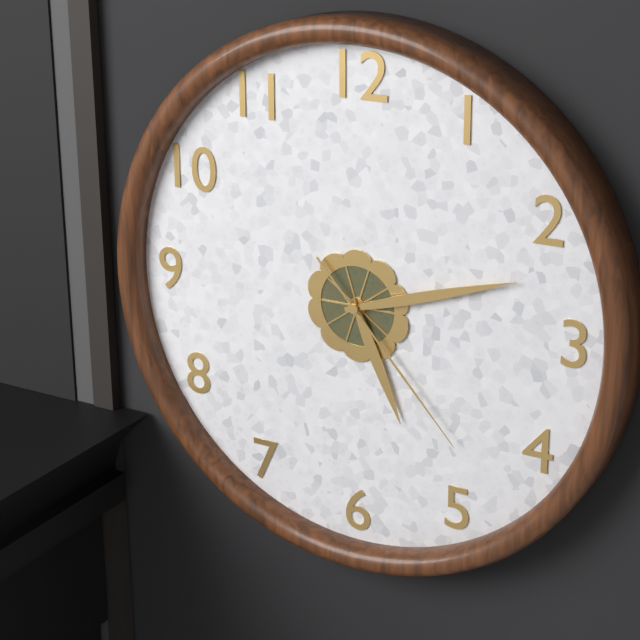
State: 5 h 12 min 23 s
